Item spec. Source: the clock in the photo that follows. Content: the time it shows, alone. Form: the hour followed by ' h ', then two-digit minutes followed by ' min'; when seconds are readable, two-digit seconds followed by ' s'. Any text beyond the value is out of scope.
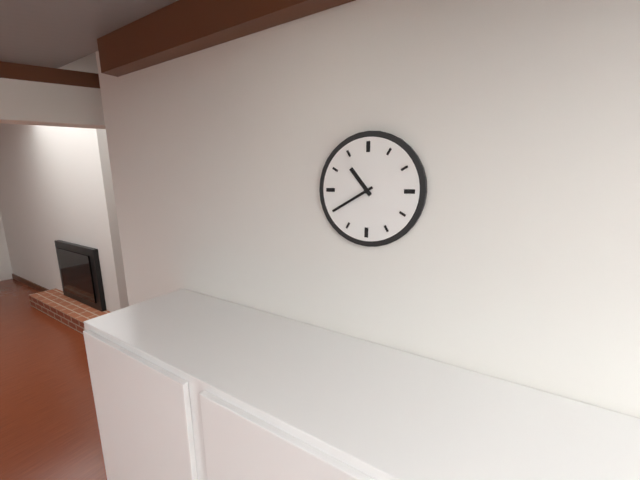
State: 10 h 40 min
